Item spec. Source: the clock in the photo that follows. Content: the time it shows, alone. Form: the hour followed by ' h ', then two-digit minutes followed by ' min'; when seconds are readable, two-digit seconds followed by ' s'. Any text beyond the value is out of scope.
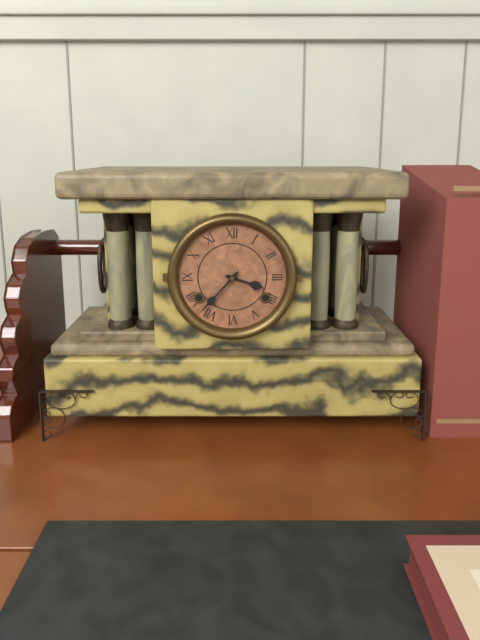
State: 3 h 37 min
